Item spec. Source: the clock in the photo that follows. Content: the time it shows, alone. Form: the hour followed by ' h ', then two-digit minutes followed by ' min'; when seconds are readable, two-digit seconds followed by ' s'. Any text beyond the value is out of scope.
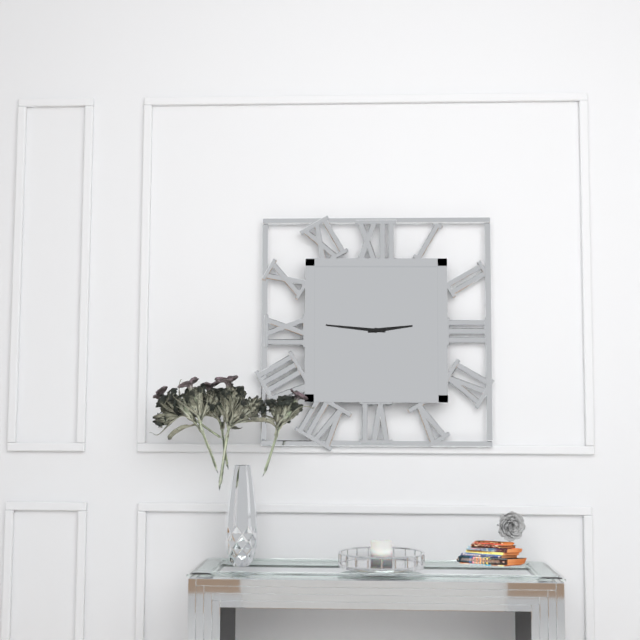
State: 2 h 46 min
